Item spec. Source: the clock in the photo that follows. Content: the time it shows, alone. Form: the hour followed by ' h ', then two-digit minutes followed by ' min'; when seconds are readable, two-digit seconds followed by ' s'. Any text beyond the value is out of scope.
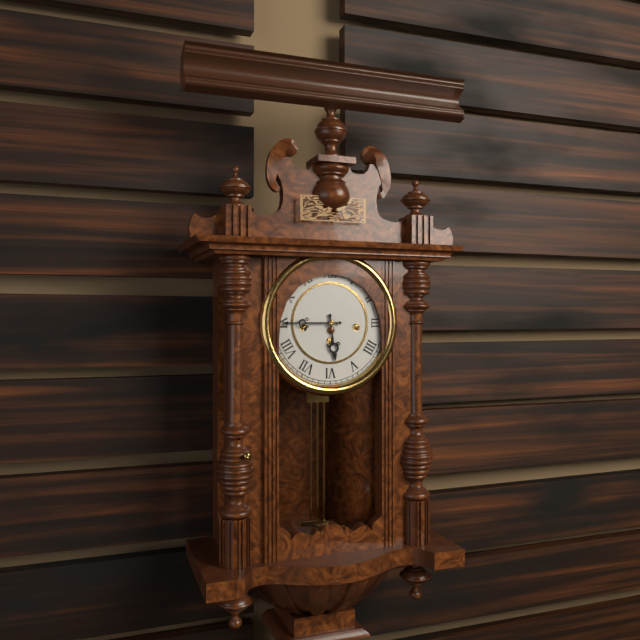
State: 5 h 45 min
